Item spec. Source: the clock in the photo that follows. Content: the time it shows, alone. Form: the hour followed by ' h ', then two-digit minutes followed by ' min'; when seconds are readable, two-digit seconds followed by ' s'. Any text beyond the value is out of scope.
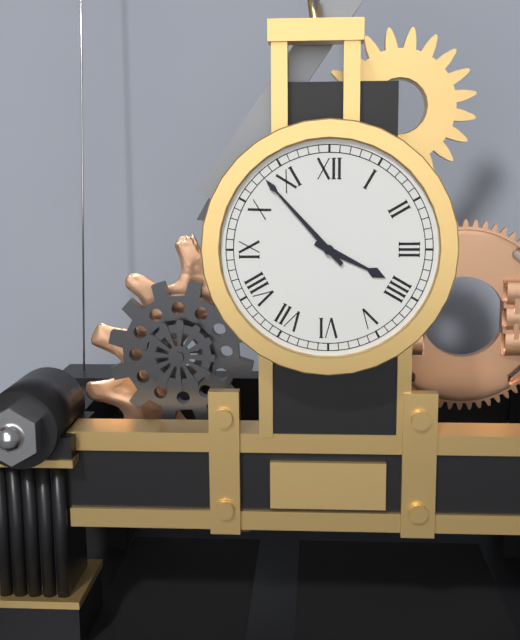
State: 3 h 53 min
